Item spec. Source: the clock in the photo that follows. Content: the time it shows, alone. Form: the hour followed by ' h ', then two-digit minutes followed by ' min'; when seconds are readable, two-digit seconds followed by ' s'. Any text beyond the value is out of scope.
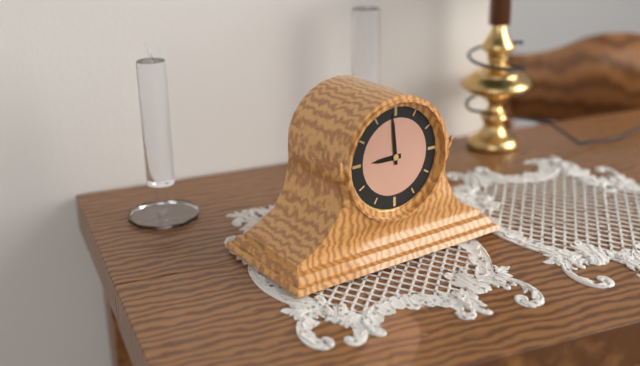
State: 8 h 59 min
